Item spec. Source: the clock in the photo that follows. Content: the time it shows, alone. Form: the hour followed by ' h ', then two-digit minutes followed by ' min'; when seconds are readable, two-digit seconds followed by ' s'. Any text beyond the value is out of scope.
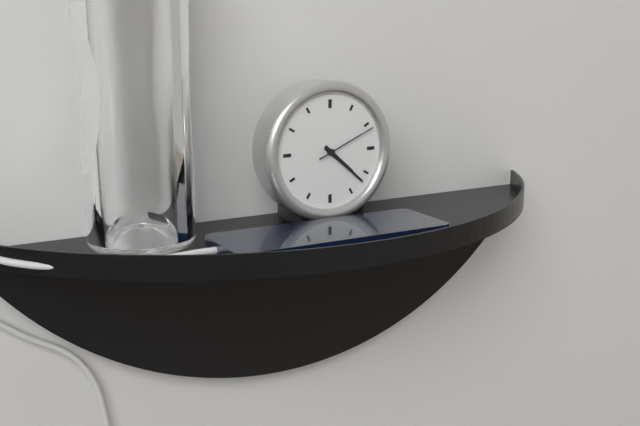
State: 4 h 22 min 11 s
